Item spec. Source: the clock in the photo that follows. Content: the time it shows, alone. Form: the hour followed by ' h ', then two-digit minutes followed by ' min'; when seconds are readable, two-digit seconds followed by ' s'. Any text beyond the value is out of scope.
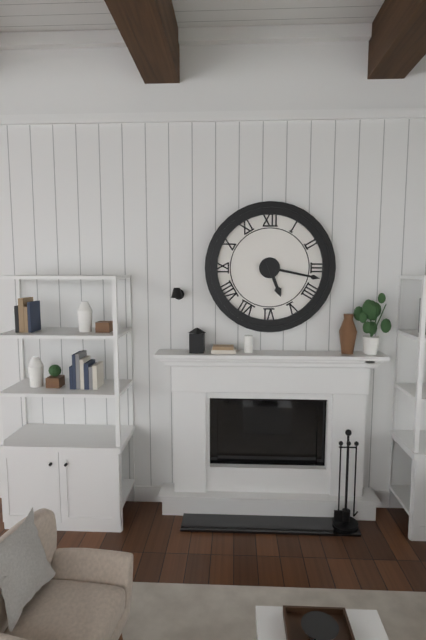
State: 5 h 17 min
